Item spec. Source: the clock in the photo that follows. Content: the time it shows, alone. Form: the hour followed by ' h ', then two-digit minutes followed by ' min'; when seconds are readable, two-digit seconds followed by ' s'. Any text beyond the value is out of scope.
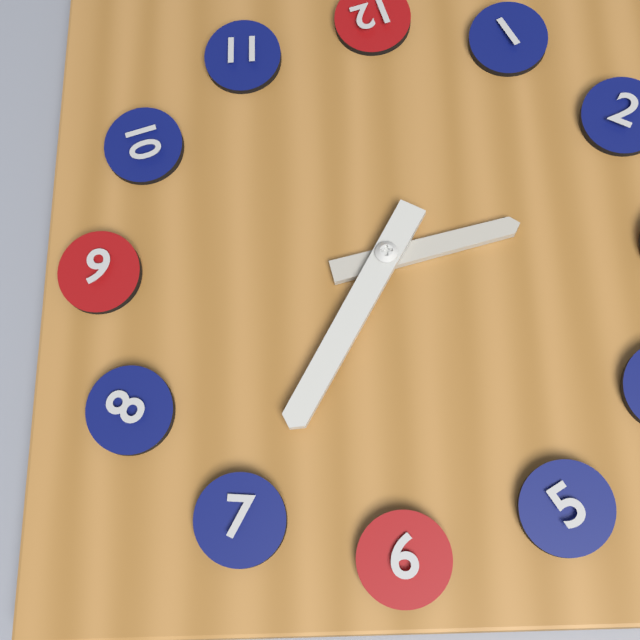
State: 2 h 35 min
